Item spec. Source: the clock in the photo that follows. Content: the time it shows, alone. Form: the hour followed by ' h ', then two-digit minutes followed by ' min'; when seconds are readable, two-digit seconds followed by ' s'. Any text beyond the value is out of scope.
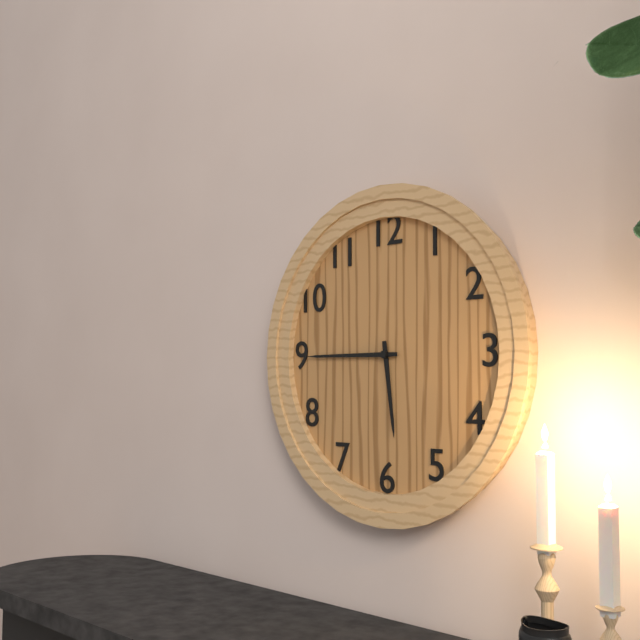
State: 5 h 45 min
